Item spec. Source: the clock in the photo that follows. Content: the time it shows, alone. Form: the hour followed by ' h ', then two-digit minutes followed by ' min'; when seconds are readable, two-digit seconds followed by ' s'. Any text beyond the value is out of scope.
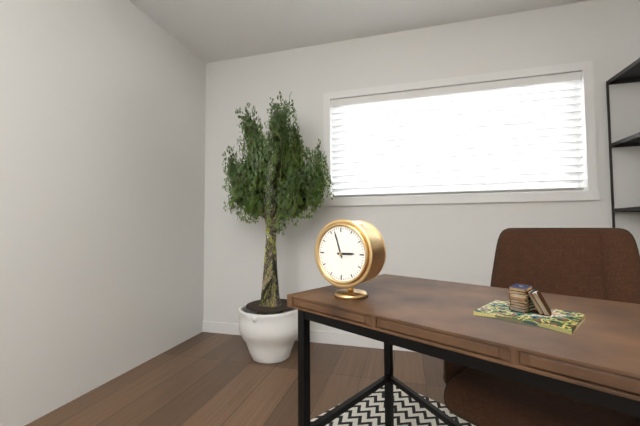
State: 2 h 57 min
